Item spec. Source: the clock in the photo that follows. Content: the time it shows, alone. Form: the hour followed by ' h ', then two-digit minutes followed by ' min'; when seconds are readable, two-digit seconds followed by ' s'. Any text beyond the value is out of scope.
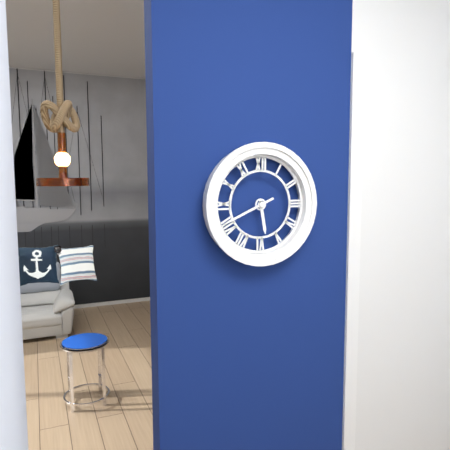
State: 5 h 41 min
